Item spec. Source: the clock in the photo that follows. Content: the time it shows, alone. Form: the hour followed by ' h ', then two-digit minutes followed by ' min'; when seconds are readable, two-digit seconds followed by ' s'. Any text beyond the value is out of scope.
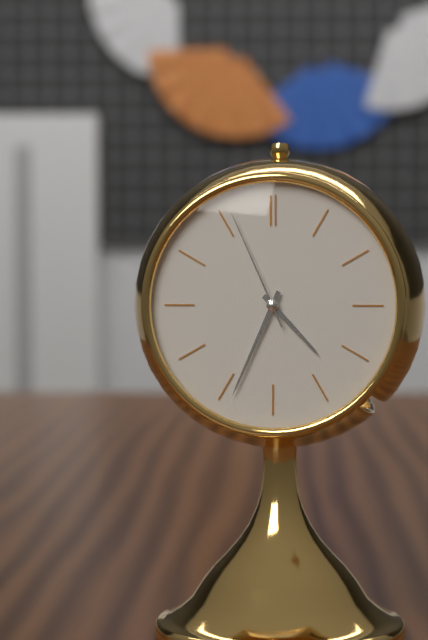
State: 4 h 34 min 56 s
